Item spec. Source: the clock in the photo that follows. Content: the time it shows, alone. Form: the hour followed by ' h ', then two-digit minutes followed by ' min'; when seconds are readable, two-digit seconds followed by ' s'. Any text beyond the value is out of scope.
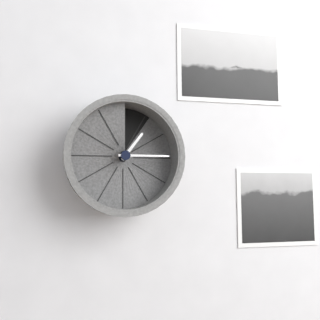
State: 1 h 15 min
